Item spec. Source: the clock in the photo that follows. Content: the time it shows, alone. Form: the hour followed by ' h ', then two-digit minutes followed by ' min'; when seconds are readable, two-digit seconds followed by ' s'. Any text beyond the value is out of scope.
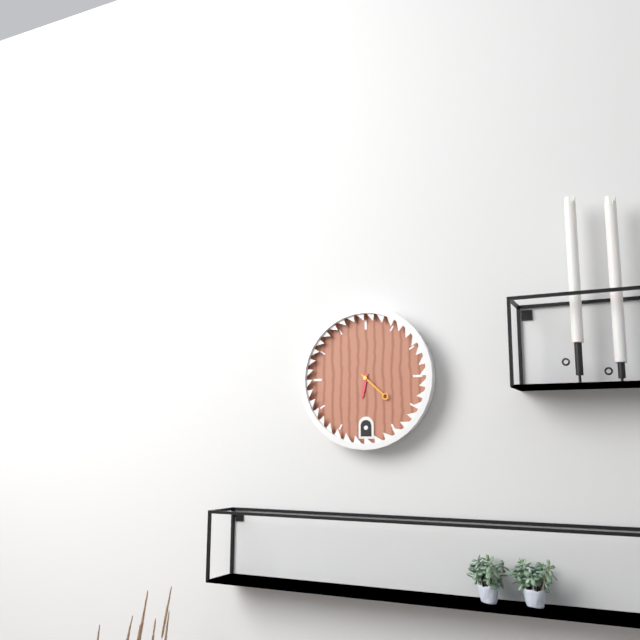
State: 6 h 22 min
